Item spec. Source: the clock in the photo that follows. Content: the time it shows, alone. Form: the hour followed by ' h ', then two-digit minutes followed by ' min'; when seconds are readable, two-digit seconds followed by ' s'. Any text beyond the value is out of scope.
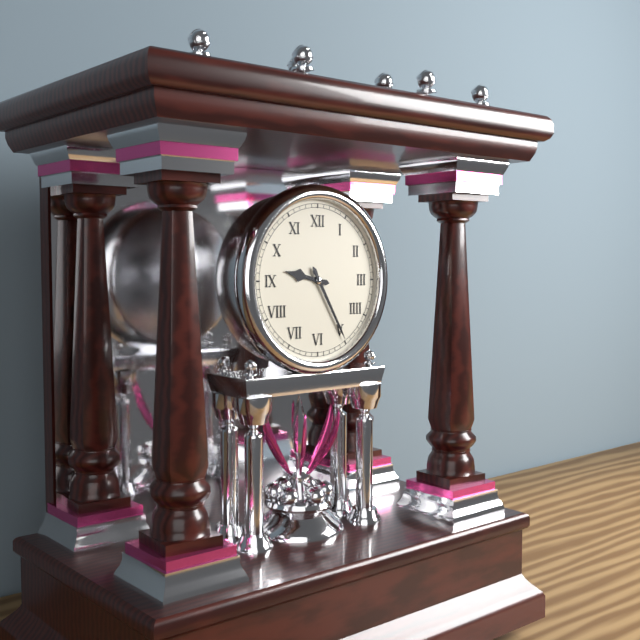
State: 9 h 25 min
